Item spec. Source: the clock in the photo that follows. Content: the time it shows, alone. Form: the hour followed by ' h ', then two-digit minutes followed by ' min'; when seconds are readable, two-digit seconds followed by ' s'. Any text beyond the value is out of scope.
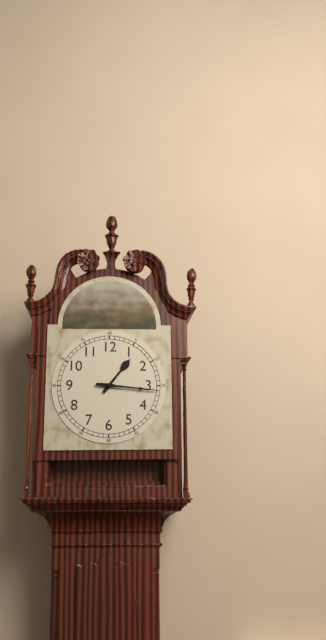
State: 1 h 16 min
